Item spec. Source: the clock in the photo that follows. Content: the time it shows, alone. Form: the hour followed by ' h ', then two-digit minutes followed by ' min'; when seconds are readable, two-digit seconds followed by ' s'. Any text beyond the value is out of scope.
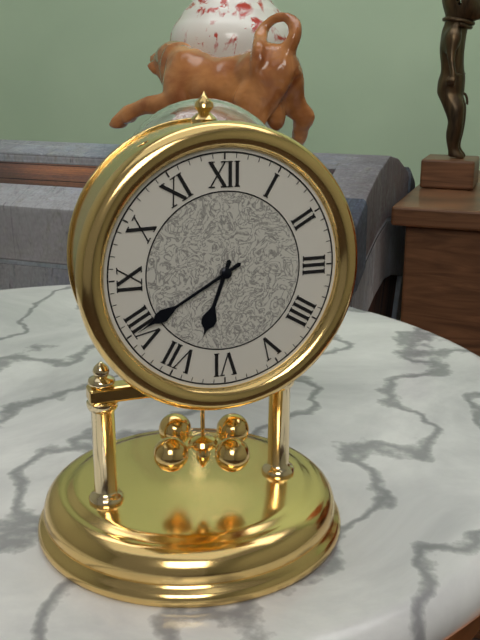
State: 6 h 40 min
